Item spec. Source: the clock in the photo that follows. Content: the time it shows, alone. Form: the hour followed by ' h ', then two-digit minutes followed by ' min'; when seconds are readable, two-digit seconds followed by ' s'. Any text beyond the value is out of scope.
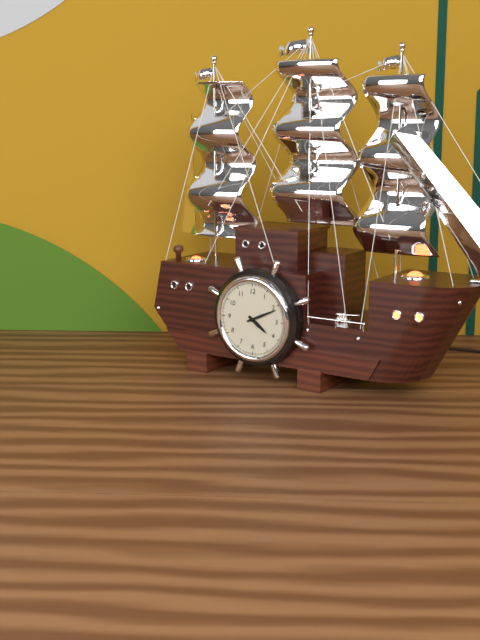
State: 4 h 11 min
